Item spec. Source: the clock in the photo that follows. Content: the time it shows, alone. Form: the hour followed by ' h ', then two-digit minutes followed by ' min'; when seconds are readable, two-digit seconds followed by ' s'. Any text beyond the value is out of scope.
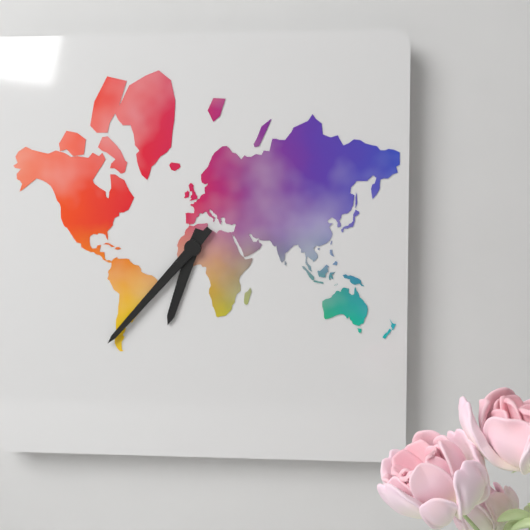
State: 6 h 37 min
